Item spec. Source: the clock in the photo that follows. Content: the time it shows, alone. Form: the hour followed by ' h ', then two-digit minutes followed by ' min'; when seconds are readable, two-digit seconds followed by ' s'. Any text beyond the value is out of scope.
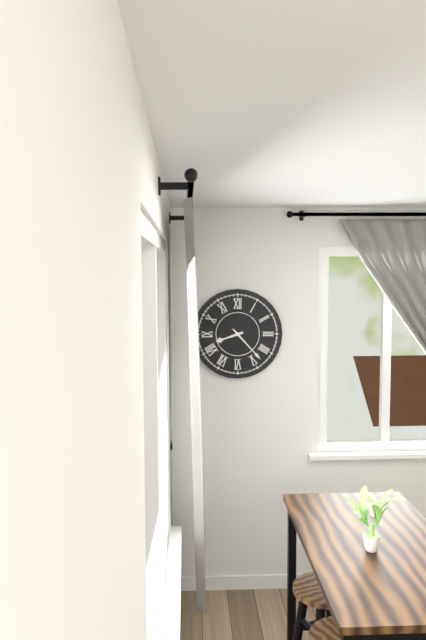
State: 8 h 23 min
